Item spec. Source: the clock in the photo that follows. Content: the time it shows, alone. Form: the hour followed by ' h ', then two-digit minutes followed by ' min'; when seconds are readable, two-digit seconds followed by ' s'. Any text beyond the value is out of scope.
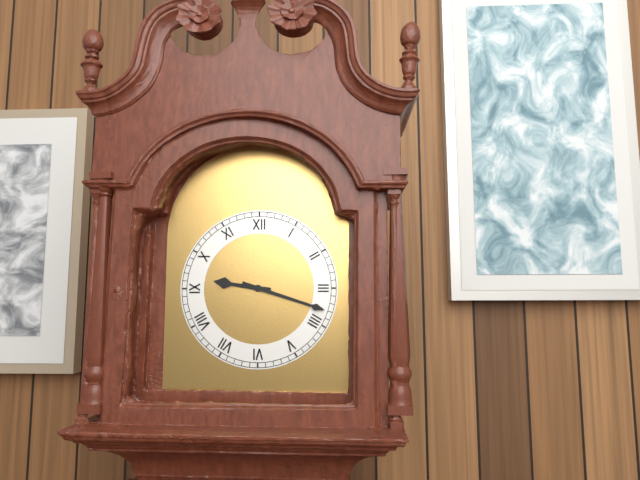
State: 9 h 18 min
